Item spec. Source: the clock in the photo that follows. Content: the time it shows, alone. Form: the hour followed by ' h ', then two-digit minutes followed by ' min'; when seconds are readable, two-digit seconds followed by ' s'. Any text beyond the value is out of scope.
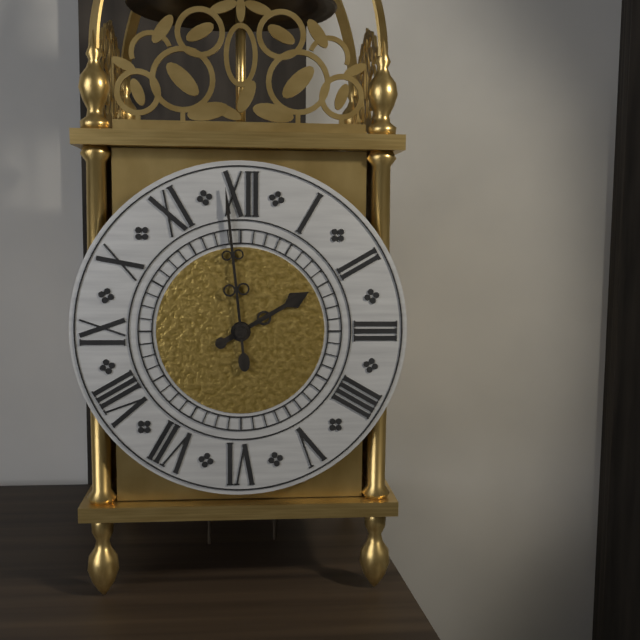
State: 1 h 59 min
